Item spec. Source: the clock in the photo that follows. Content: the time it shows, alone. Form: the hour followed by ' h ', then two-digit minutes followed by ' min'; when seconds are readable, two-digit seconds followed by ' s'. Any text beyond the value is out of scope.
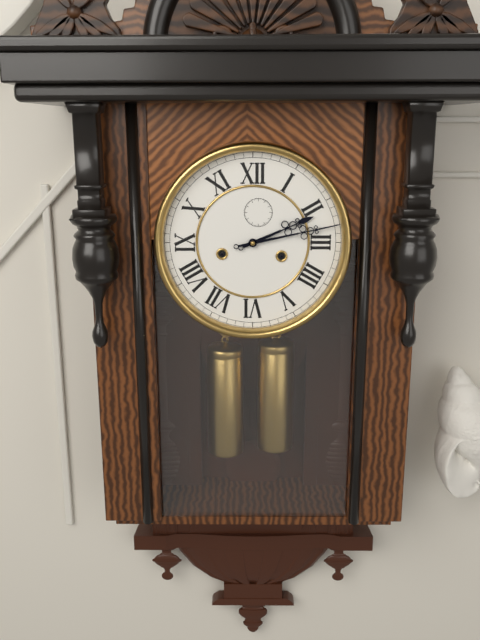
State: 2 h 13 min
